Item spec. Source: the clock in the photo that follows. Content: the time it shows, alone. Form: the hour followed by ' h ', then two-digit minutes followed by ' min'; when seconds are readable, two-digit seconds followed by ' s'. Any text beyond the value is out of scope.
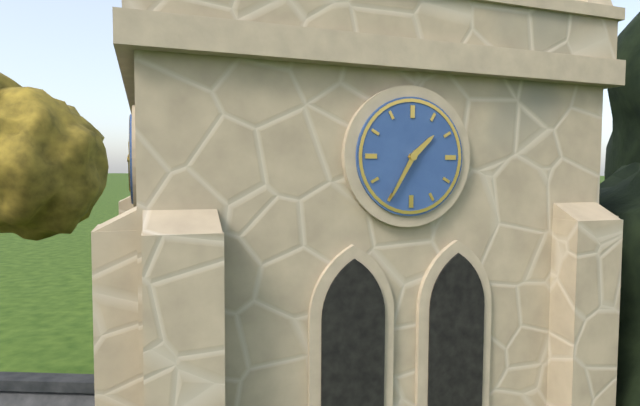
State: 1 h 35 min
